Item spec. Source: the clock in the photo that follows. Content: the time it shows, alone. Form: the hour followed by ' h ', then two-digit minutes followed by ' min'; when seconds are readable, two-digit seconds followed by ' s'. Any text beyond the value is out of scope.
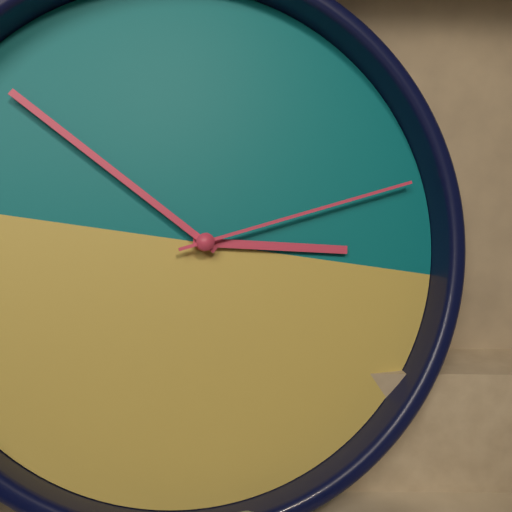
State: 2 h 50 min 11 s
